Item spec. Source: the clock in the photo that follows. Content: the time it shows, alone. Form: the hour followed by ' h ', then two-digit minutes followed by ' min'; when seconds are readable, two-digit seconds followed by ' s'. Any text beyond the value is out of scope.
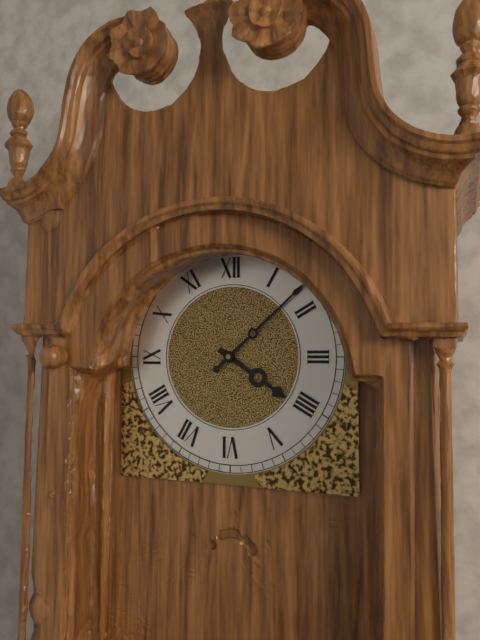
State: 4 h 08 min
